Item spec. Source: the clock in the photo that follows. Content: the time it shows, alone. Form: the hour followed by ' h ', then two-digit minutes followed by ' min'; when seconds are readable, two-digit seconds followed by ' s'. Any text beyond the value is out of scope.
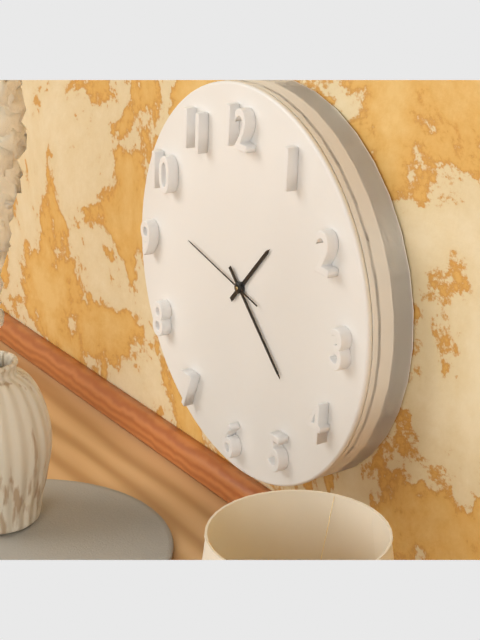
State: 1 h 22 min 47 s
